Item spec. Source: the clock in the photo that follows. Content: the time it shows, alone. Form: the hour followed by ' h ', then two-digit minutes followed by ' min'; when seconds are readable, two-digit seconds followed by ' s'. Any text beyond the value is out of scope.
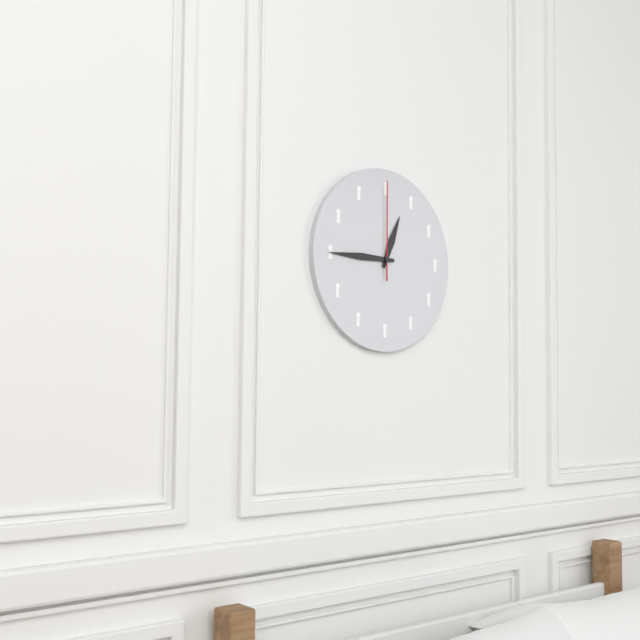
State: 12 h 45 min 00 s
